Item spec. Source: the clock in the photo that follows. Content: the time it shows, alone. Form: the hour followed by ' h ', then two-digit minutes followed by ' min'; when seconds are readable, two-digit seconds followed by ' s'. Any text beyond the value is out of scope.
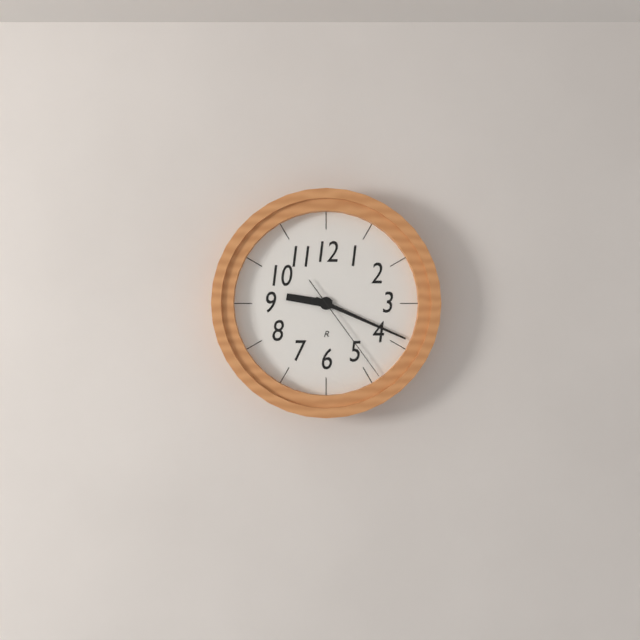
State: 9 h 19 min 24 s
